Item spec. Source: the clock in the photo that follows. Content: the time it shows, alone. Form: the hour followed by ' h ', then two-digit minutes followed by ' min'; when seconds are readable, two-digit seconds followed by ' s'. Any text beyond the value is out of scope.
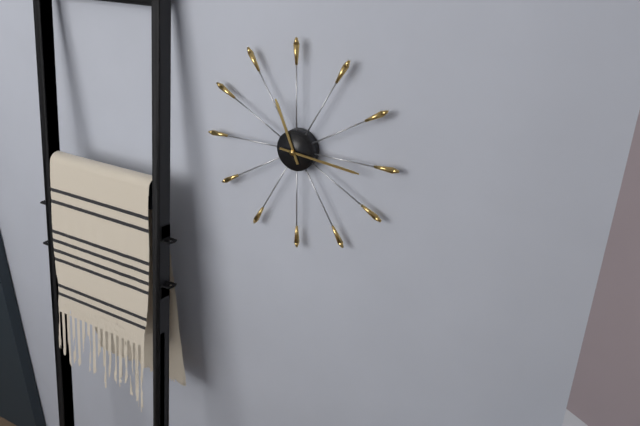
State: 11 h 16 min
